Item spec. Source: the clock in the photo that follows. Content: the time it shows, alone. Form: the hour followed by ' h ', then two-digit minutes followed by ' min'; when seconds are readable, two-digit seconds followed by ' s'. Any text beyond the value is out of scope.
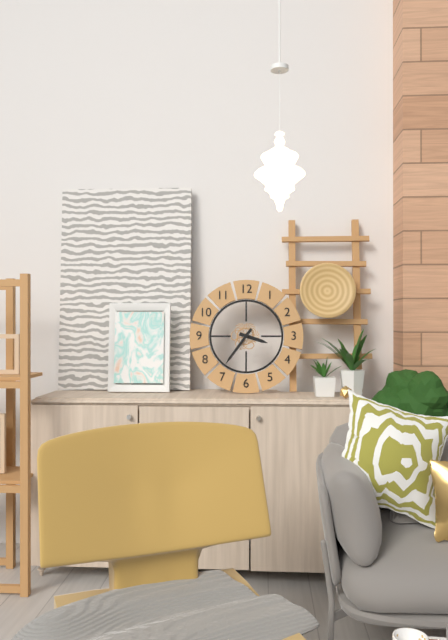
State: 3 h 36 min
